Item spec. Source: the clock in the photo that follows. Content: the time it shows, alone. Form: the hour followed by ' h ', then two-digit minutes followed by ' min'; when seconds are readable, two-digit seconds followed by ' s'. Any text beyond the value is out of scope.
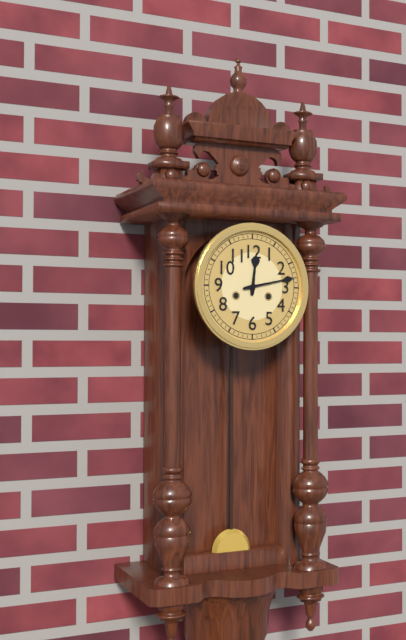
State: 12 h 13 min
